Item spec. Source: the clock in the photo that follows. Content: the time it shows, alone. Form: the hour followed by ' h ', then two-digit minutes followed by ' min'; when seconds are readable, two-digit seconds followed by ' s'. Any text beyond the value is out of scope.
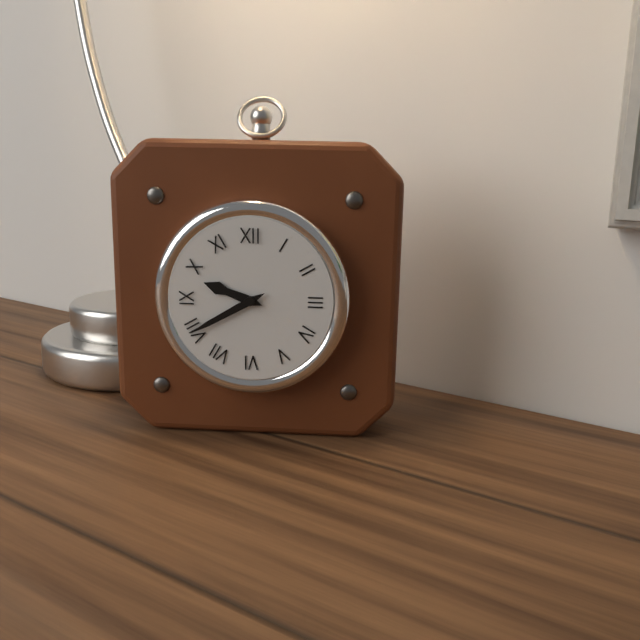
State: 9 h 40 min
